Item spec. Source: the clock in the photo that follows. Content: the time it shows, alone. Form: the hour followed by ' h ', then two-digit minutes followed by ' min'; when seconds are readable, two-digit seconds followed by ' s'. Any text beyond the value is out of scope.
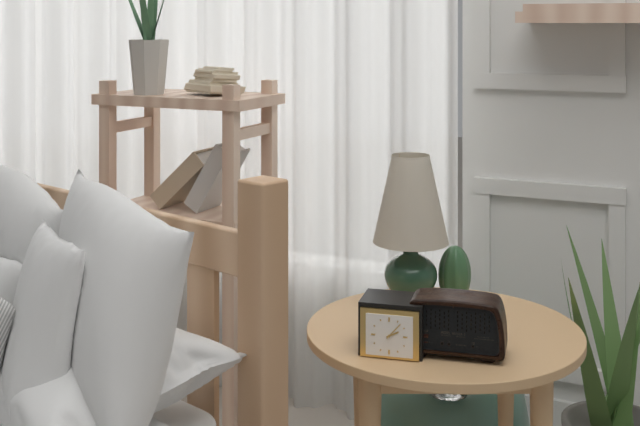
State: 2 h 07 min
